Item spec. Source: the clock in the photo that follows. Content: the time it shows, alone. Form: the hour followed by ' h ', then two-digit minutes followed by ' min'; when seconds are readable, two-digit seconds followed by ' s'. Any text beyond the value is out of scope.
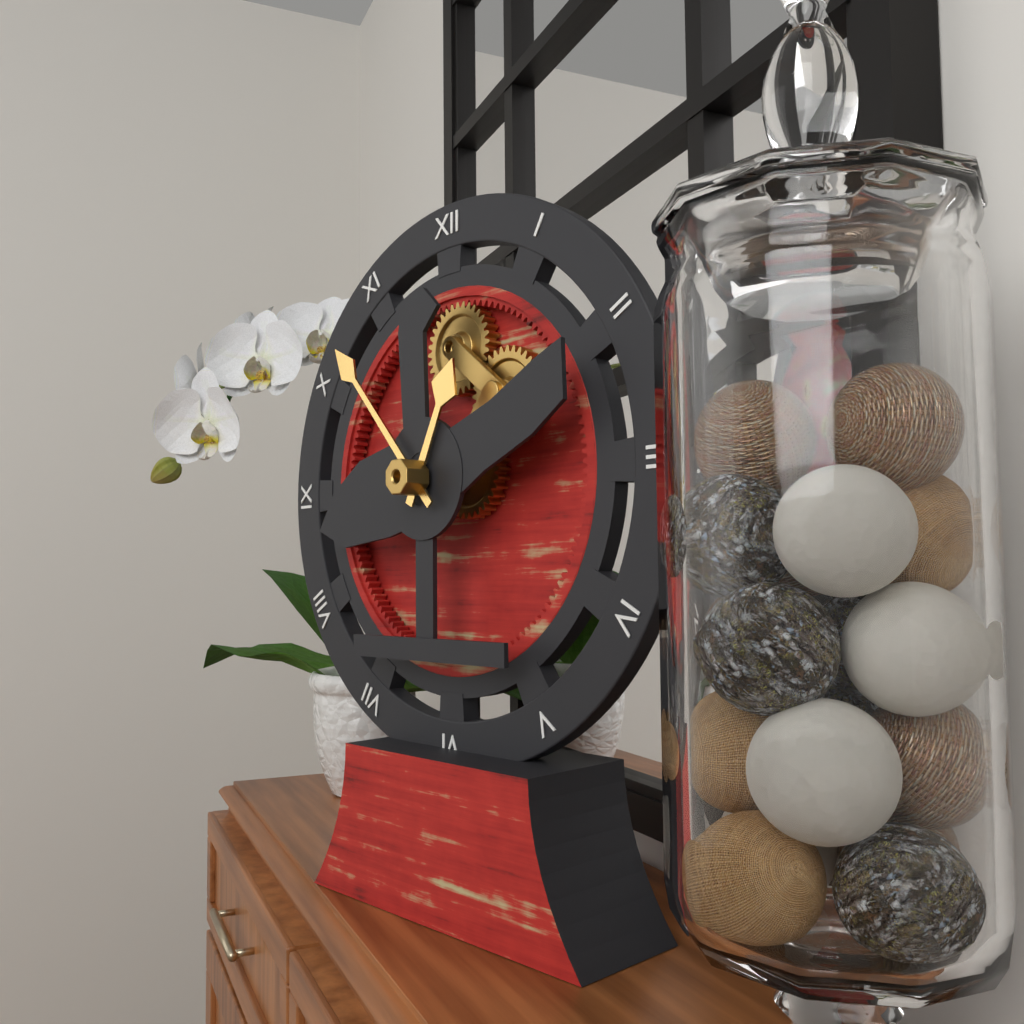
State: 12 h 53 min
